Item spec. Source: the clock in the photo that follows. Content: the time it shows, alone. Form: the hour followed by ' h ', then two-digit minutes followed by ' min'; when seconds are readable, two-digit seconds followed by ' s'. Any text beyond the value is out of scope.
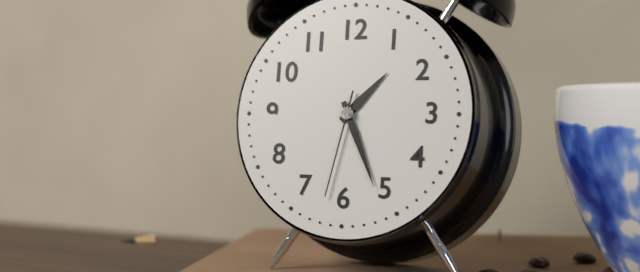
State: 1 h 26 min 32 s
